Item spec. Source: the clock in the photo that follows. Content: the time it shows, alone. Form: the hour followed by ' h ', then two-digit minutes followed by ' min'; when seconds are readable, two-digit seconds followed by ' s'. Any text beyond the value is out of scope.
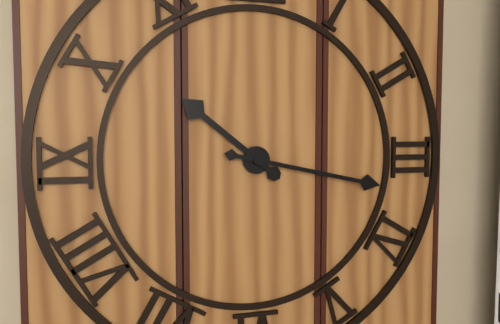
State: 10 h 17 min
